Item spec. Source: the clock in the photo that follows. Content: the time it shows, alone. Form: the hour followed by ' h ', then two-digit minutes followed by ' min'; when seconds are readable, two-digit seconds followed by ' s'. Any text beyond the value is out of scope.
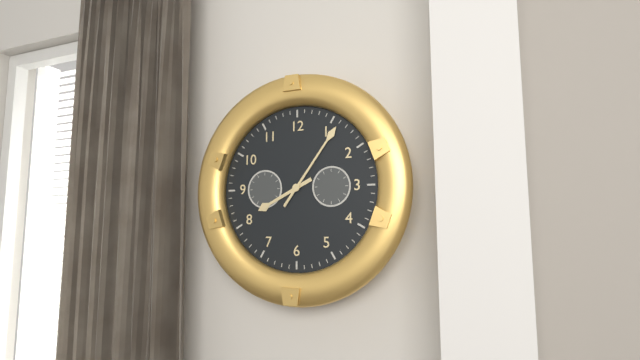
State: 8 h 06 min
